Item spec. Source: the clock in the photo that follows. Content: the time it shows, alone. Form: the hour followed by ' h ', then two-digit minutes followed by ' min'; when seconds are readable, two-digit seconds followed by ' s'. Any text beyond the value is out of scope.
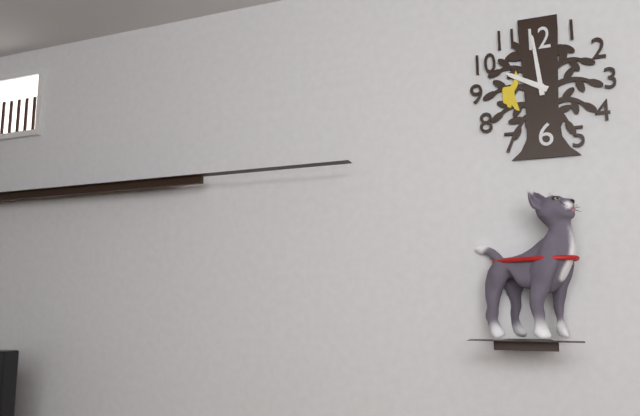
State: 9 h 59 min
